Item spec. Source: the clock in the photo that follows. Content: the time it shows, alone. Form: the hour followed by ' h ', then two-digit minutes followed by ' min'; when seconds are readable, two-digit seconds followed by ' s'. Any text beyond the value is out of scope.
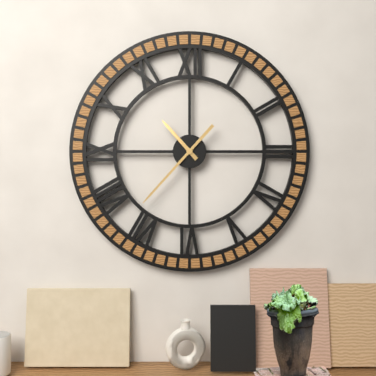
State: 10 h 37 min
